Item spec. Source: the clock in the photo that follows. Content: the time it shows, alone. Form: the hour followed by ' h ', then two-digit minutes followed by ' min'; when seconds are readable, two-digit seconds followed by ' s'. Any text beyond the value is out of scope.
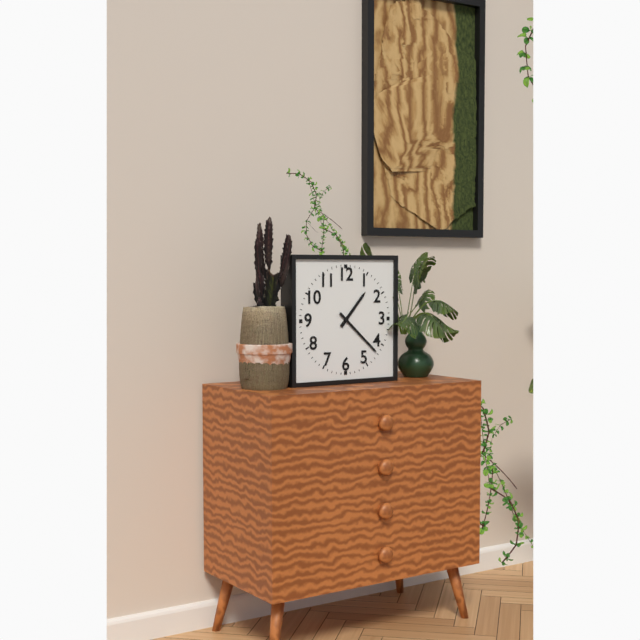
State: 1 h 22 min
